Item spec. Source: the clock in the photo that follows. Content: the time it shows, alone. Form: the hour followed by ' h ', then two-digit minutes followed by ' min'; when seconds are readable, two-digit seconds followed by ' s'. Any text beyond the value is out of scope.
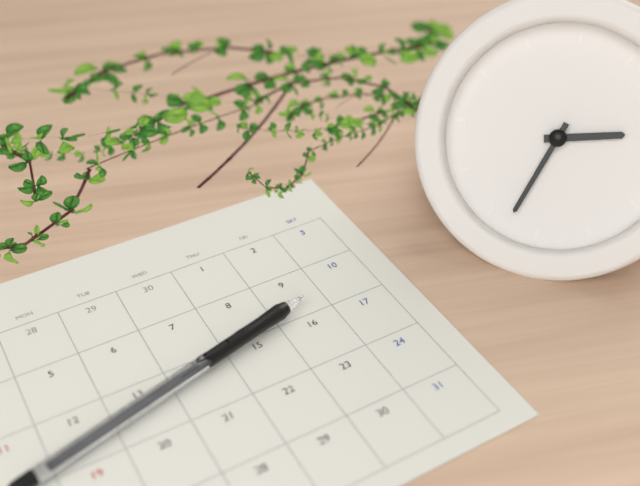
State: 2 h 33 min
